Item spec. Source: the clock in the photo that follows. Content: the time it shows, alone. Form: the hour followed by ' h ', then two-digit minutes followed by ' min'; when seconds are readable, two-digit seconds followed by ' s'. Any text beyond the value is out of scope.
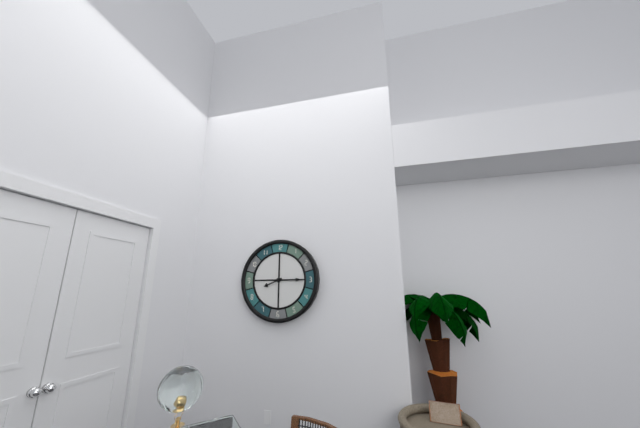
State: 8 h 15 min
